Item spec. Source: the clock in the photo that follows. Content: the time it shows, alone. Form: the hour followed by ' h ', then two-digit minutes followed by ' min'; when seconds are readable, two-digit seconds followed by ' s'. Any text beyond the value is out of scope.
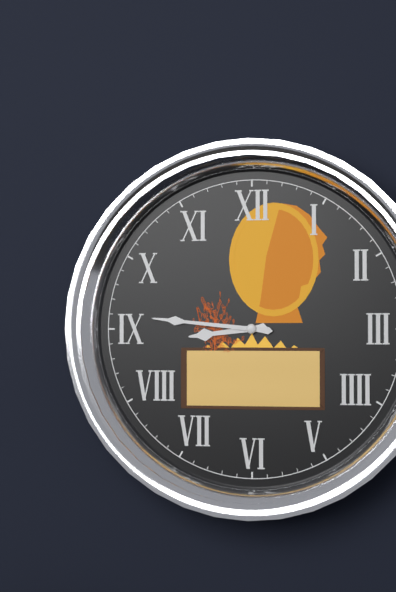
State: 8 h 46 min
